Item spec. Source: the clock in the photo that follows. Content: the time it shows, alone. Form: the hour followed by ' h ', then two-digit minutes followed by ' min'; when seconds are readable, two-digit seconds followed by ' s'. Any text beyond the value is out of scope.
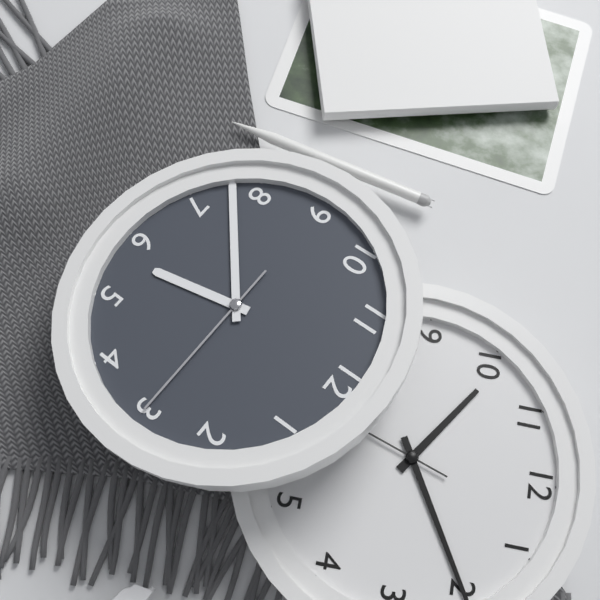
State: 5 h 38 min 15 s
